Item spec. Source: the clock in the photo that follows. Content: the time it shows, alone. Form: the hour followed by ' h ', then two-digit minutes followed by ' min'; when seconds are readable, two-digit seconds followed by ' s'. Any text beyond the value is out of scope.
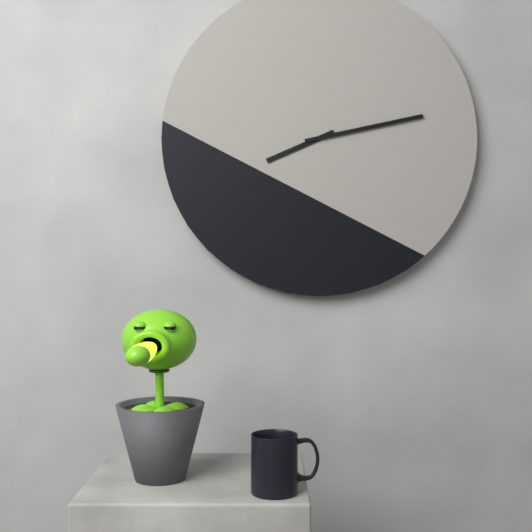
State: 8 h 13 min
